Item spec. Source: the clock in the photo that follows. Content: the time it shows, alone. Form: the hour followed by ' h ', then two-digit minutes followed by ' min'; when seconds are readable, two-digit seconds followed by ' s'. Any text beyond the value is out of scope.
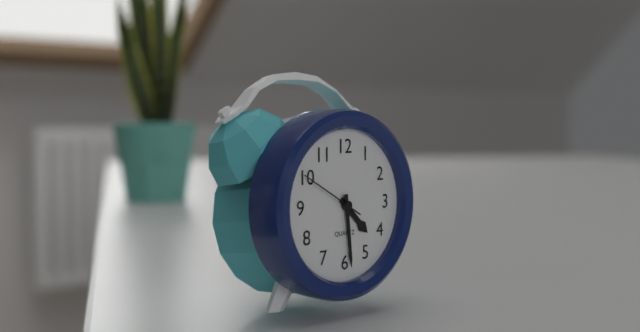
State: 4 h 29 min 50 s
